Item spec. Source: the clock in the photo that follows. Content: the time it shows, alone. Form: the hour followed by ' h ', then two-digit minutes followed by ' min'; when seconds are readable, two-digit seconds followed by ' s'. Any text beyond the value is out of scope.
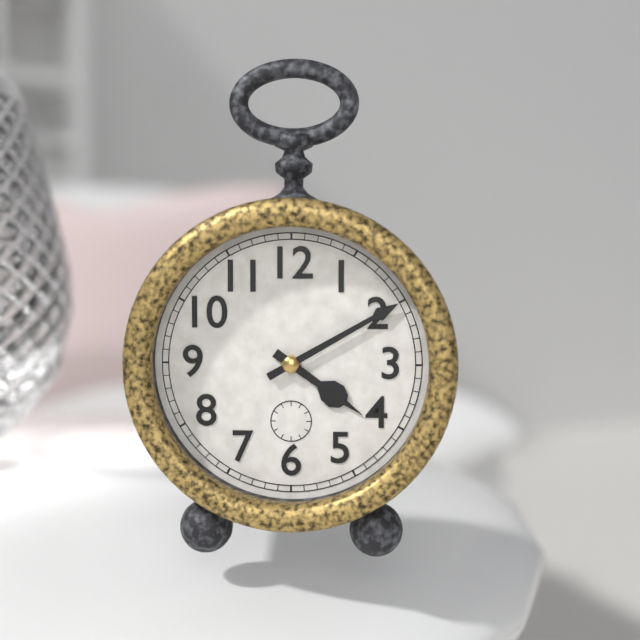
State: 4 h 10 min
